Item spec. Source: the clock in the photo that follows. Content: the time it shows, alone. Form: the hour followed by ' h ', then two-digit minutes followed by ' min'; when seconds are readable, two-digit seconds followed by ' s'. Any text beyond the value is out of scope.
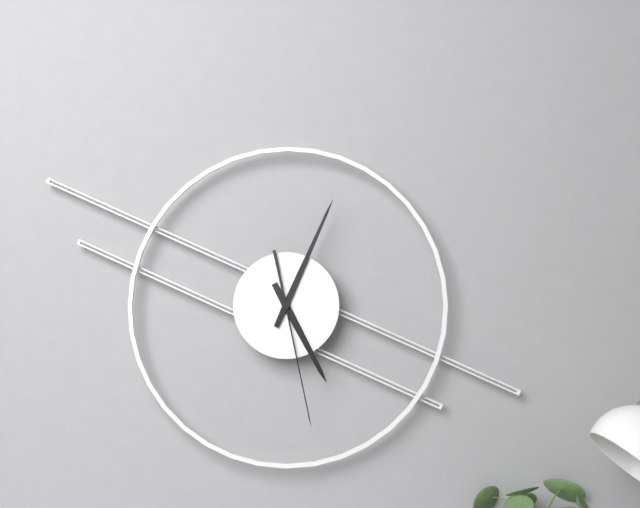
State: 5 h 04 min 28 s
